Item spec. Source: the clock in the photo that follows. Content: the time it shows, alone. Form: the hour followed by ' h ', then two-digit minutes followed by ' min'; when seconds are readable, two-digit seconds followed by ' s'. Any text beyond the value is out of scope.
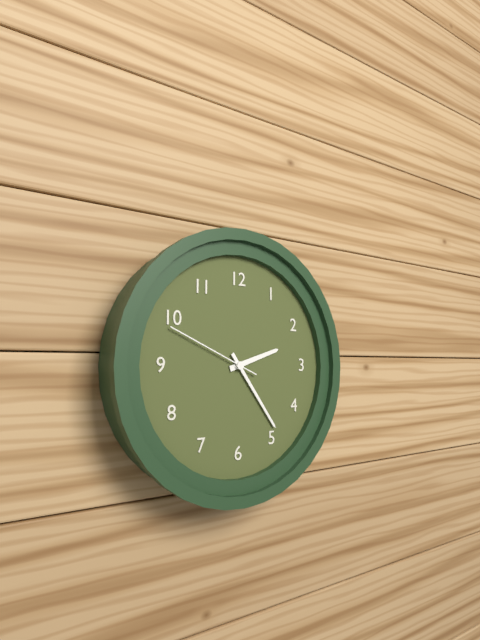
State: 2 h 24 min 49 s
